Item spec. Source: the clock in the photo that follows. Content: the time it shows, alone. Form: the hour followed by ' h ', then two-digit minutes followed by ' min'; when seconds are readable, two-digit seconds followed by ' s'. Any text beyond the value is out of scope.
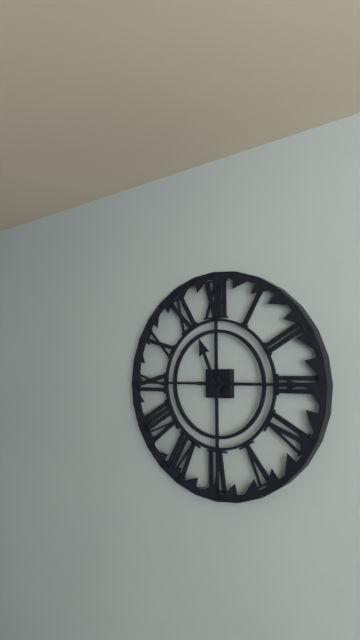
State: 11 h 15 min
